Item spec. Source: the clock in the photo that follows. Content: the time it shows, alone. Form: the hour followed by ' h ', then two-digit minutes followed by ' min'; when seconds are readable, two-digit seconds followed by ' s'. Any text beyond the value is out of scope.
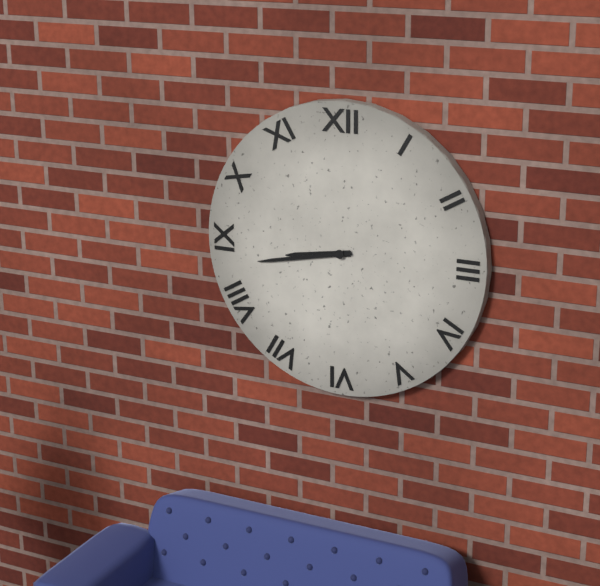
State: 8 h 43 min
